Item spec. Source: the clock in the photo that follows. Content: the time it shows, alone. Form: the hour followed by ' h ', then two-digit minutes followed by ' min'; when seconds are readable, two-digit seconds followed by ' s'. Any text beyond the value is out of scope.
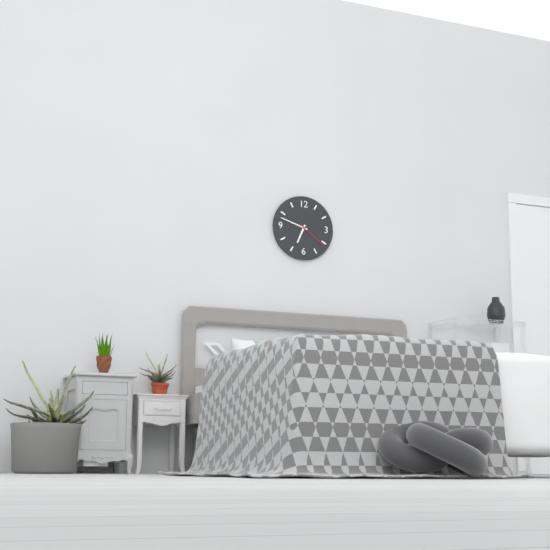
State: 6 h 48 min
